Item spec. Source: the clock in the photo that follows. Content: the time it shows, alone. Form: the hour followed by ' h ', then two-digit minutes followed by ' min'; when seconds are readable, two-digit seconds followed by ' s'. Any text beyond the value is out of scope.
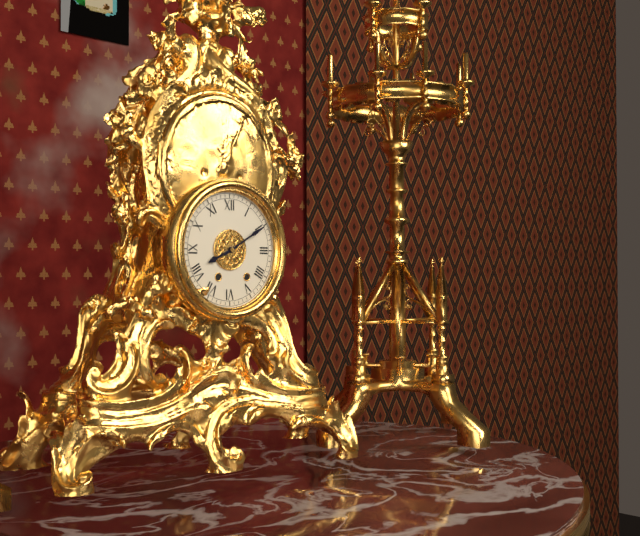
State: 8 h 10 min
